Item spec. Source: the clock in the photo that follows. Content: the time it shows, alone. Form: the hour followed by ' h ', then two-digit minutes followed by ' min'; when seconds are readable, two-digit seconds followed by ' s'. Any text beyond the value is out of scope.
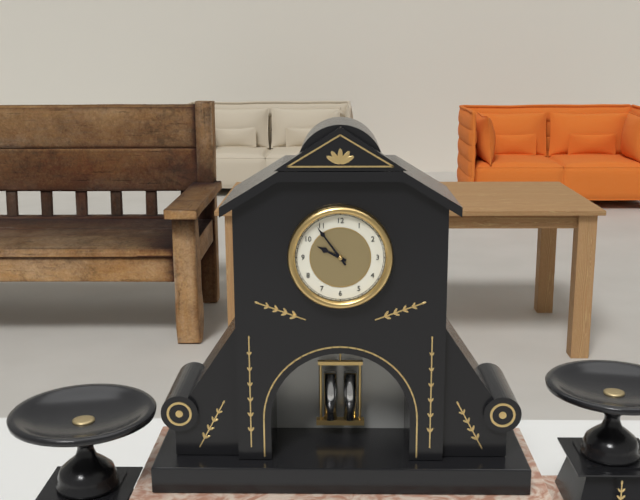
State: 9 h 54 min
